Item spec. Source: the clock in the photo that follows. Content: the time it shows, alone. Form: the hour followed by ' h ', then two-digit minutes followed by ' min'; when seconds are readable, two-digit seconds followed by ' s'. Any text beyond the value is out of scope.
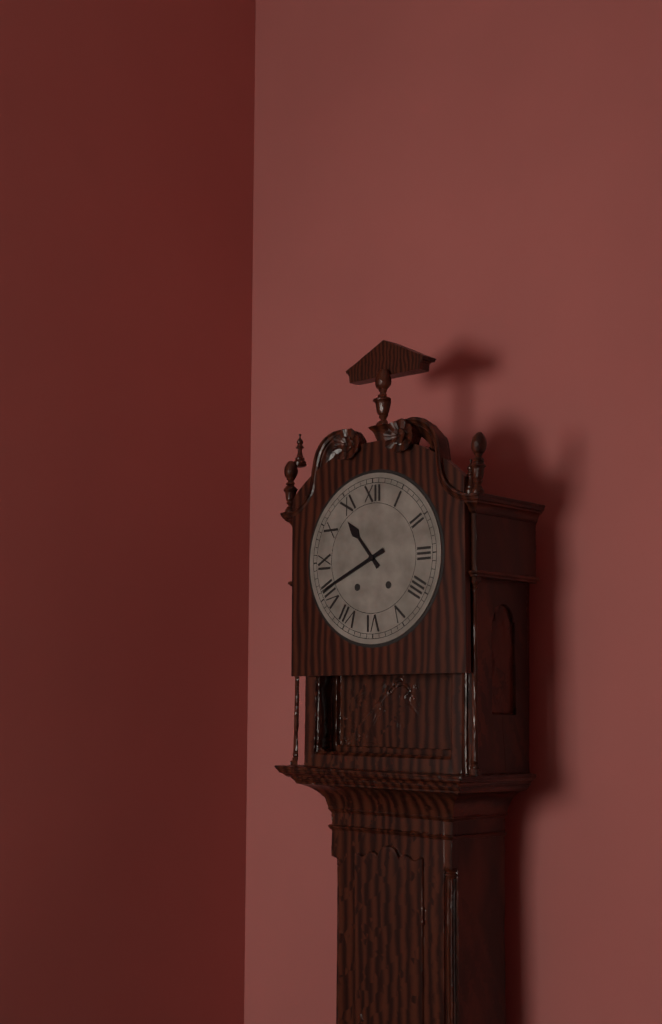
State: 10 h 41 min
